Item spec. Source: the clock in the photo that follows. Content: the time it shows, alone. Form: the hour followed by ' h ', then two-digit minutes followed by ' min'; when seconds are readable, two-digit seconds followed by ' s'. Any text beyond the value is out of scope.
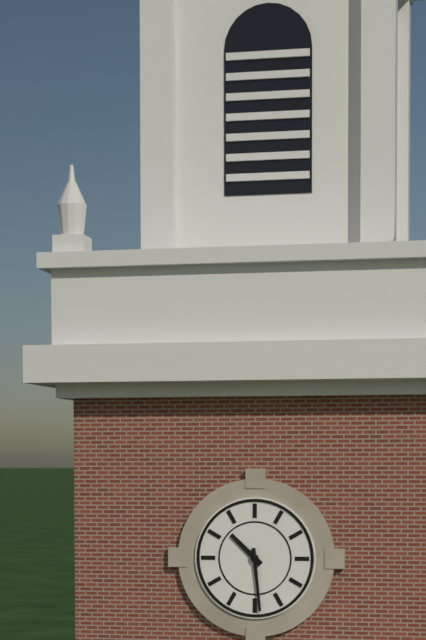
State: 10 h 29 min
